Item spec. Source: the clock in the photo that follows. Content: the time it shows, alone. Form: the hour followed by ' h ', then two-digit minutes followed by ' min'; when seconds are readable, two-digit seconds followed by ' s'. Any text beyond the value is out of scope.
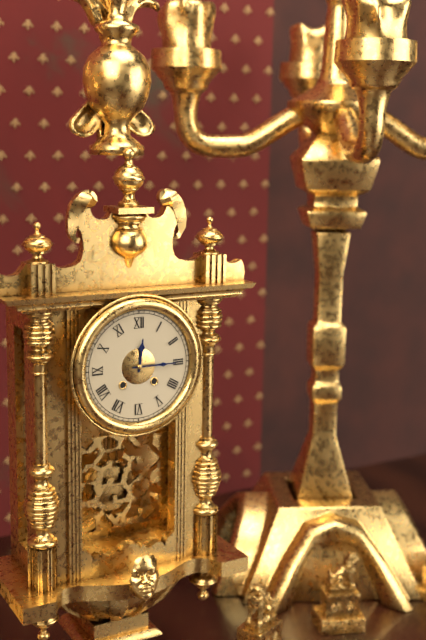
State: 12 h 15 min
